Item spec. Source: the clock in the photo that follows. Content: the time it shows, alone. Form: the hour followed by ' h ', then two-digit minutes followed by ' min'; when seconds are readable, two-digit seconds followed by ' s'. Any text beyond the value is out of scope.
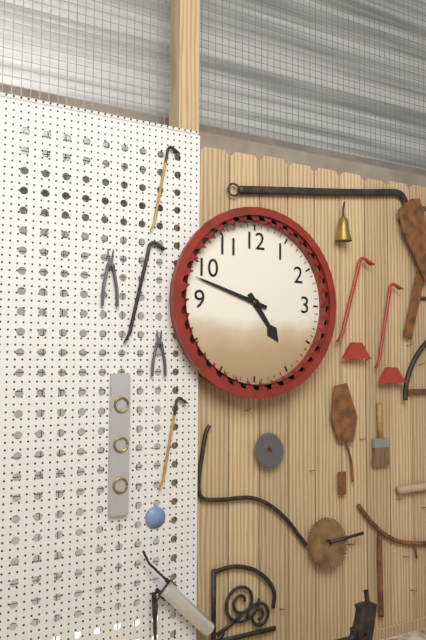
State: 4 h 48 min
